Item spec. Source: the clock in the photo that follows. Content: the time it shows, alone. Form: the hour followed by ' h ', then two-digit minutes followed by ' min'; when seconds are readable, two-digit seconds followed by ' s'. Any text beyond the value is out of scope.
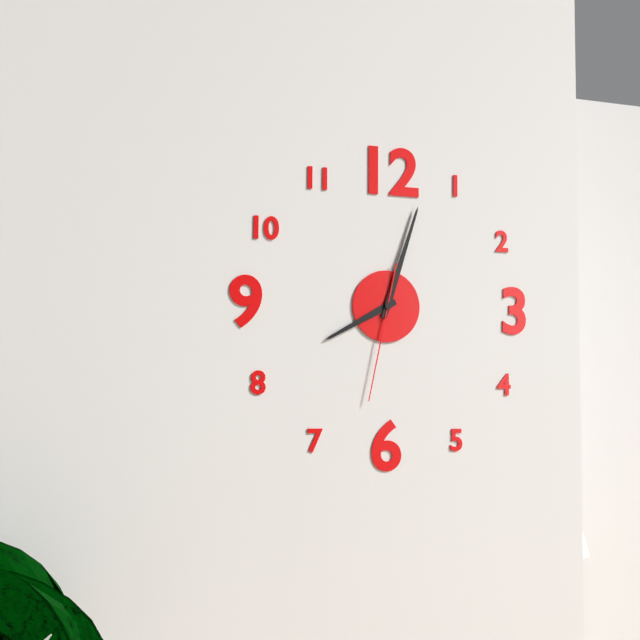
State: 8 h 03 min 32 s
